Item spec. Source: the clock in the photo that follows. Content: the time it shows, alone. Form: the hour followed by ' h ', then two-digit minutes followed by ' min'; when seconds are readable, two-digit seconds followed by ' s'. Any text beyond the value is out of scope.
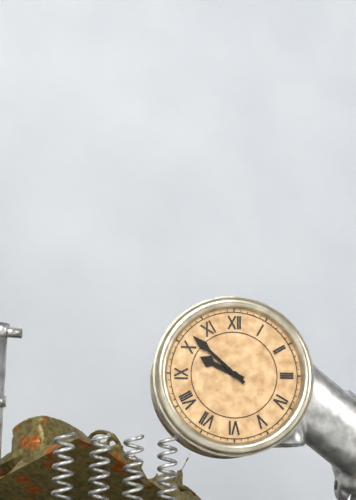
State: 9 h 52 min
